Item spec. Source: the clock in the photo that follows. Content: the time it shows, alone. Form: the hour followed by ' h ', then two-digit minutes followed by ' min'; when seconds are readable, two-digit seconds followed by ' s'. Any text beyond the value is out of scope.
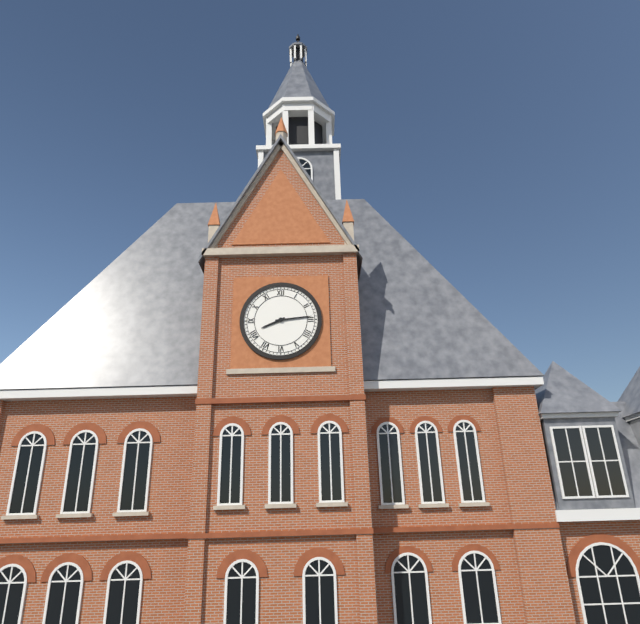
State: 8 h 14 min
